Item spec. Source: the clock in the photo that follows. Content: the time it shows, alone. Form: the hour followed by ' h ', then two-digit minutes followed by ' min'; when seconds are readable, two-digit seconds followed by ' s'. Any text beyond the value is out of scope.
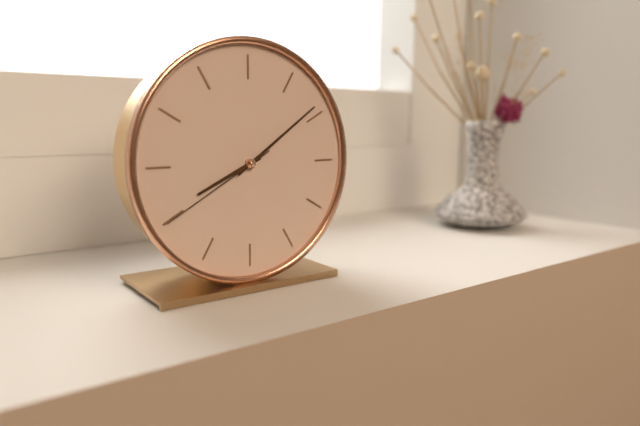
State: 8 h 09 min 40 s
